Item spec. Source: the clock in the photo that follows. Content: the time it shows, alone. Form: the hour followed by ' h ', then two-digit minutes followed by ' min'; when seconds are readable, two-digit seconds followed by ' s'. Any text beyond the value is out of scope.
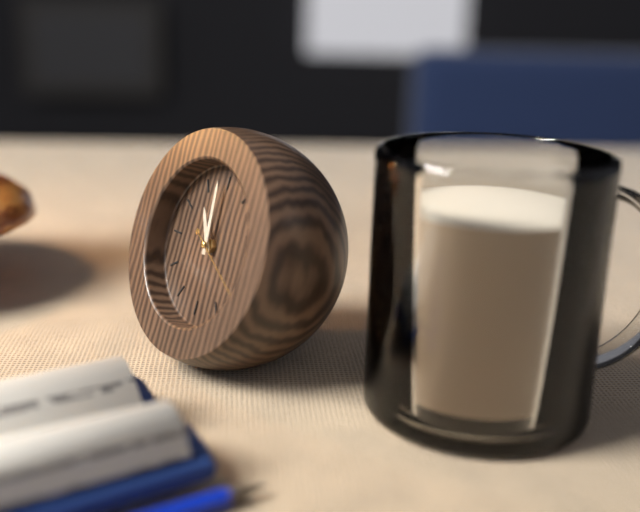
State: 10 h 59 min 20 s
